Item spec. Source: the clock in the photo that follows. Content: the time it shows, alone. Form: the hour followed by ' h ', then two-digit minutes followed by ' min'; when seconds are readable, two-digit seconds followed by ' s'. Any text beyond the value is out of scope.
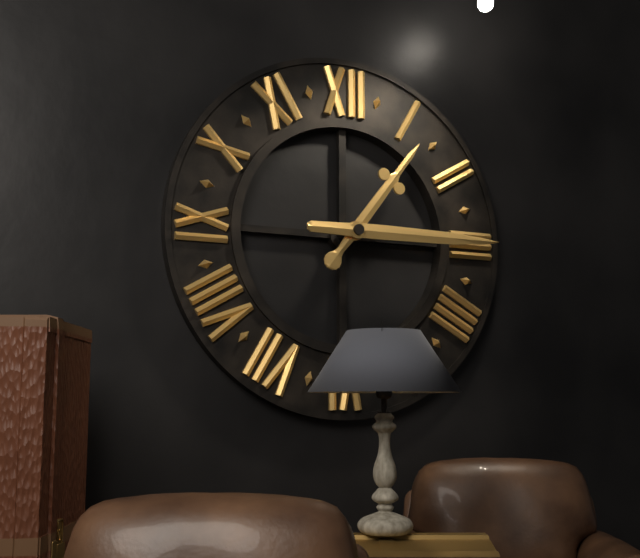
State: 1 h 15 min
